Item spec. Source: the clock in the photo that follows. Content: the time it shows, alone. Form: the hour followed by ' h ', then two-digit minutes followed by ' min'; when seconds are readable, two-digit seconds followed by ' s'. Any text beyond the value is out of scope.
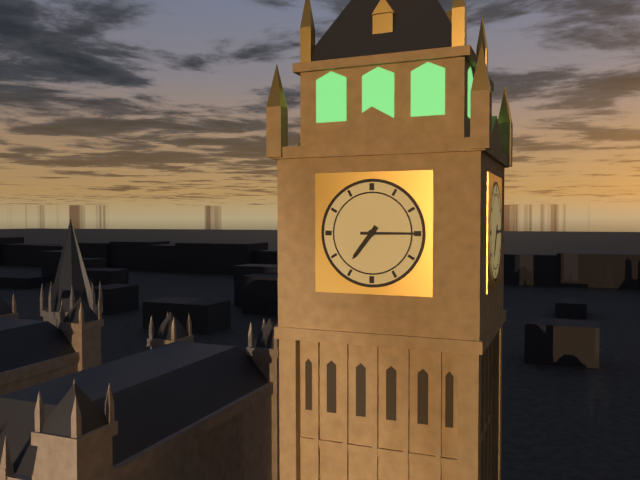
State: 7 h 15 min
